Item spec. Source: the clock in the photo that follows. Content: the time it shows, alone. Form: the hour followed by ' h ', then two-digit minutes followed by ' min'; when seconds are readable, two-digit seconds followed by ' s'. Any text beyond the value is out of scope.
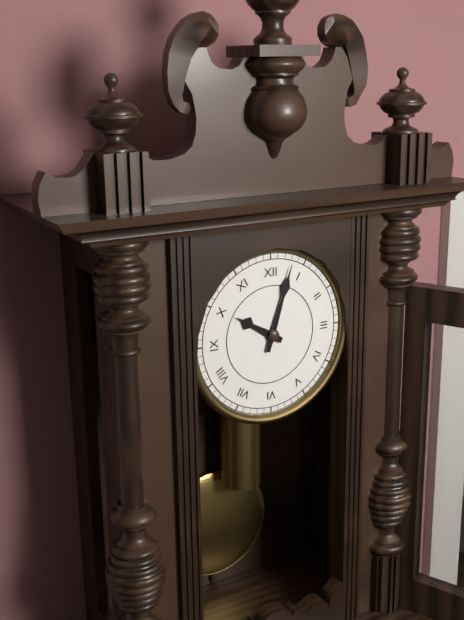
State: 10 h 03 min
